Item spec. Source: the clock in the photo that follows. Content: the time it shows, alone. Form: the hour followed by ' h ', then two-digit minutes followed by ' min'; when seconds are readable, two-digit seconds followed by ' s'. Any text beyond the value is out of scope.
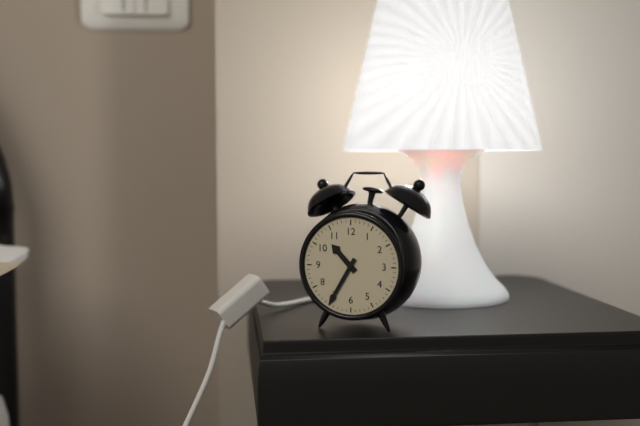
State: 10 h 35 min
